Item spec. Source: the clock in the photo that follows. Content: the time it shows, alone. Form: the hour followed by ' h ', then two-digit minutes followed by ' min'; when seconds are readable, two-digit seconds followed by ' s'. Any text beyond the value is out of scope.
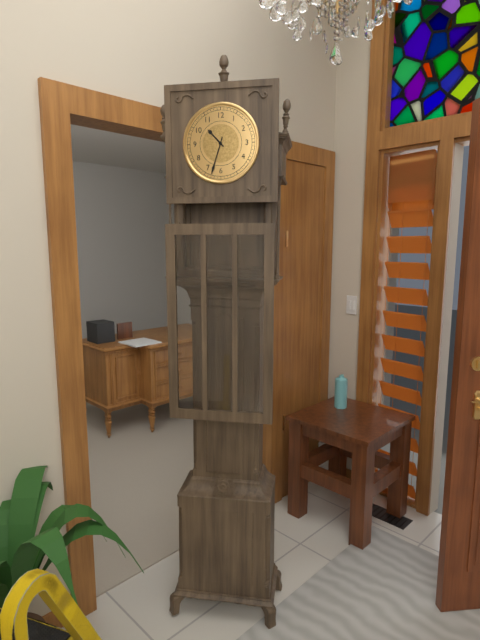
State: 10 h 33 min
